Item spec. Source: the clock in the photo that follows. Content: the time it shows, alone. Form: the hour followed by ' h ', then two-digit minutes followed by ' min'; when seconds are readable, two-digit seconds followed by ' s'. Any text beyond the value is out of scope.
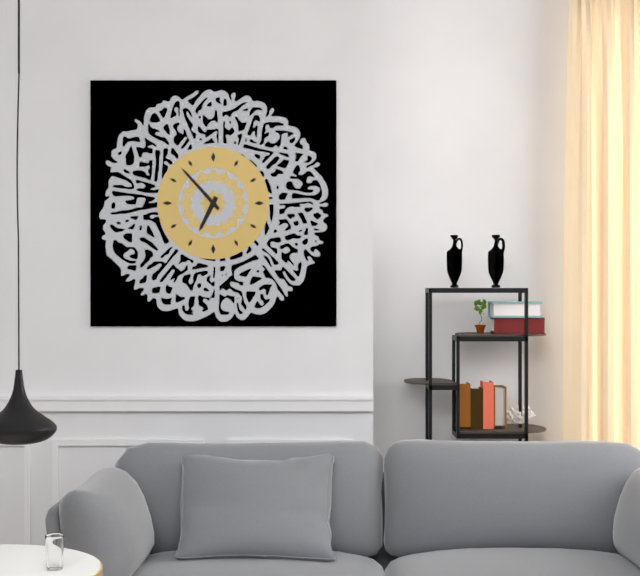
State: 6 h 53 min
